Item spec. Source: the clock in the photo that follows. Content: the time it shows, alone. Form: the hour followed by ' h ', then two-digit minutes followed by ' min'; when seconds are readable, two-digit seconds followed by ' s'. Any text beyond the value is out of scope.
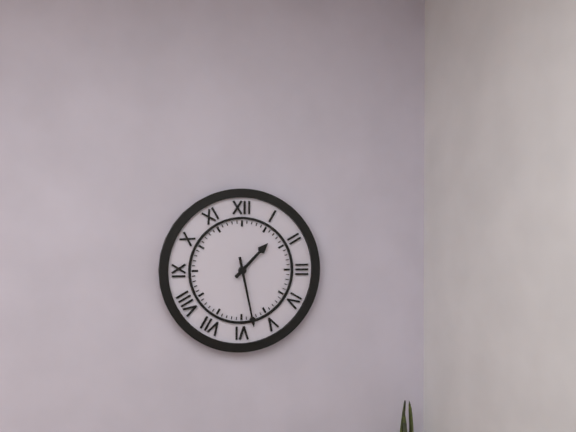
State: 1 h 28 min
